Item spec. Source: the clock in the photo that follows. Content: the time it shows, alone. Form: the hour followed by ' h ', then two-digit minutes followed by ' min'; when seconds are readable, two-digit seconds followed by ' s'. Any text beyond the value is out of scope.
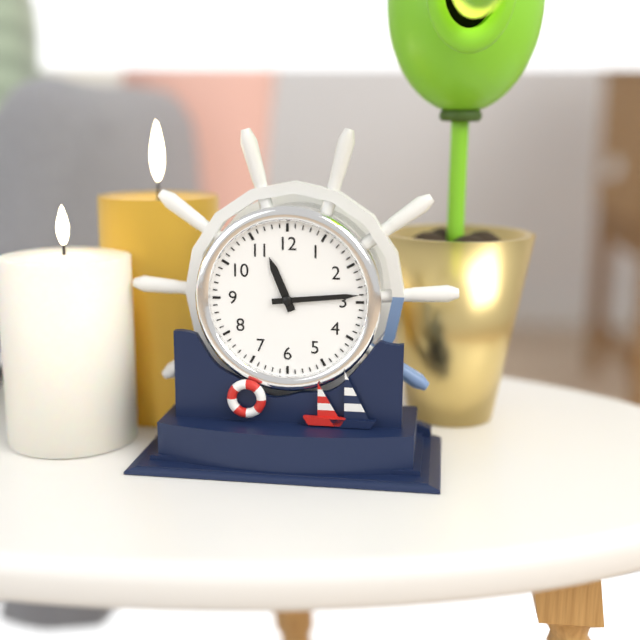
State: 11 h 14 min
